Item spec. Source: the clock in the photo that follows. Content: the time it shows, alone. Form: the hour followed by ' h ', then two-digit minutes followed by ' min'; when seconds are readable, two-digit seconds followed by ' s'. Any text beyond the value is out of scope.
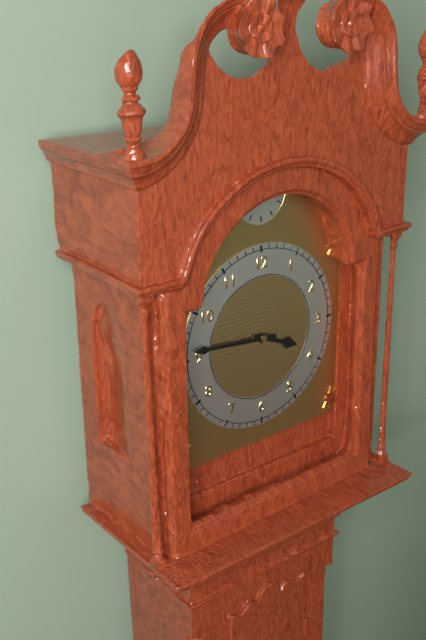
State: 3 h 46 min
